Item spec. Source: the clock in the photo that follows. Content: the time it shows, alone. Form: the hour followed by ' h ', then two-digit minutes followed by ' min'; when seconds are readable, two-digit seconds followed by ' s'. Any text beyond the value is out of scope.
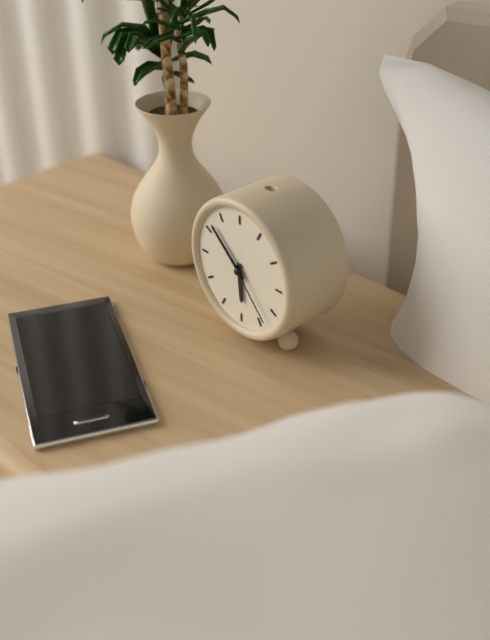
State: 5 h 52 min 23 s
